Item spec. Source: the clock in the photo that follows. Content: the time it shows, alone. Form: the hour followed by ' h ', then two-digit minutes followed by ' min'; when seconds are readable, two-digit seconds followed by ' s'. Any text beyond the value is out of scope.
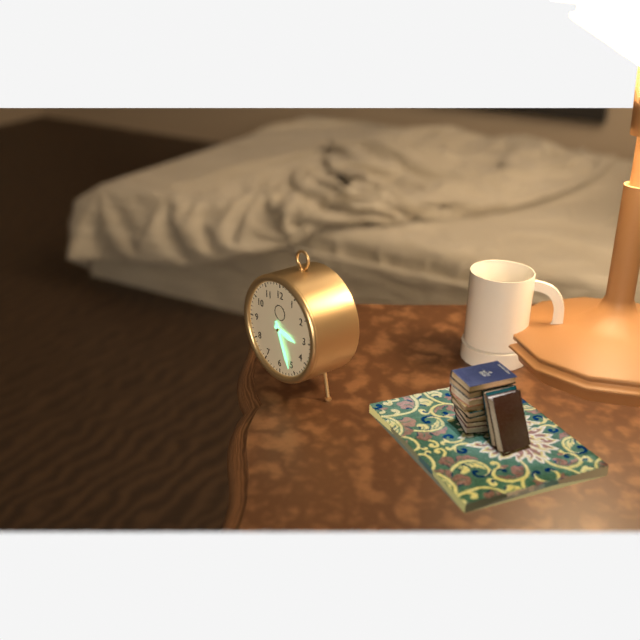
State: 3 h 26 min
